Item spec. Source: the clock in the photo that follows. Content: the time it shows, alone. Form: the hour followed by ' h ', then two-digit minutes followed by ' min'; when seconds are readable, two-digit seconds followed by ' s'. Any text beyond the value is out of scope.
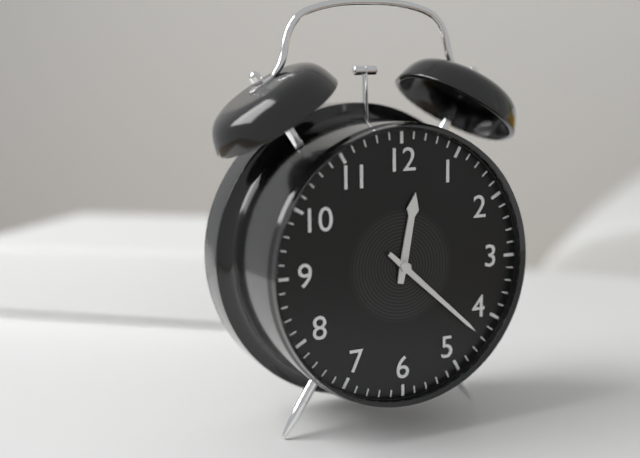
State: 12 h 22 min
